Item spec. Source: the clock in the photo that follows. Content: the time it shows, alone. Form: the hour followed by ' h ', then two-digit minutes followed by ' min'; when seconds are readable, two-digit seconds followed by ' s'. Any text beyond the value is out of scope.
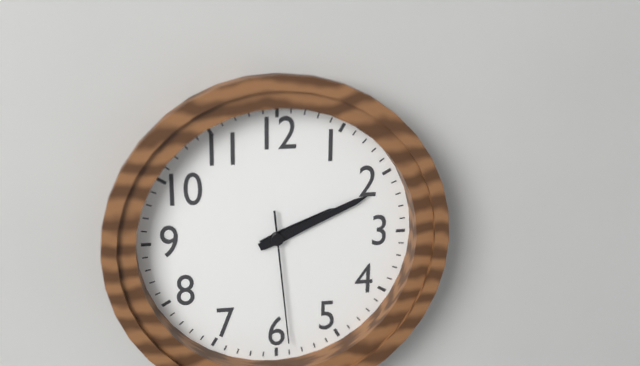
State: 2 h 11 min 29 s
